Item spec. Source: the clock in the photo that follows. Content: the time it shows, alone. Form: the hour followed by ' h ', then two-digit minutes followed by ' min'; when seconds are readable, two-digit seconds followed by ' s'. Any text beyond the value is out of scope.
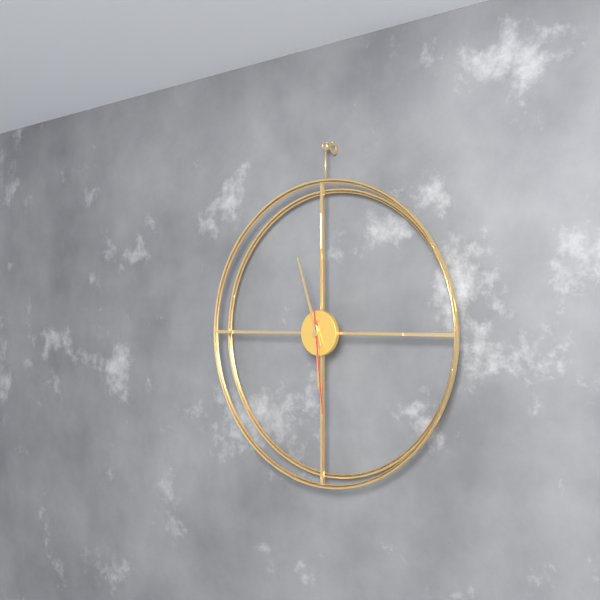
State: 5 h 57 min 29 s
